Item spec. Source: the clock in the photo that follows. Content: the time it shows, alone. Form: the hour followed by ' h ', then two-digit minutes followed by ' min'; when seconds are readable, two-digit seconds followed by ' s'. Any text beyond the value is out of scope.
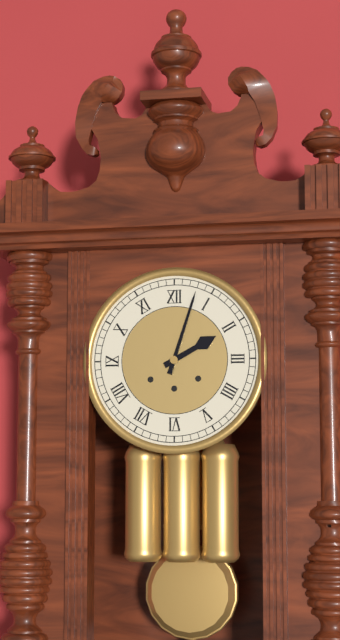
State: 2 h 03 min
